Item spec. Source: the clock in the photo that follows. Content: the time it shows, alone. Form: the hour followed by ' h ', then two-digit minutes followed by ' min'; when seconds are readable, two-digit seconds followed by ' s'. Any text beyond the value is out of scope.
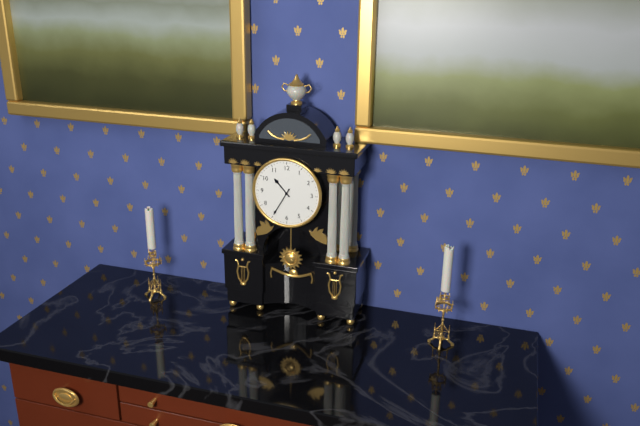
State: 10 h 35 min
